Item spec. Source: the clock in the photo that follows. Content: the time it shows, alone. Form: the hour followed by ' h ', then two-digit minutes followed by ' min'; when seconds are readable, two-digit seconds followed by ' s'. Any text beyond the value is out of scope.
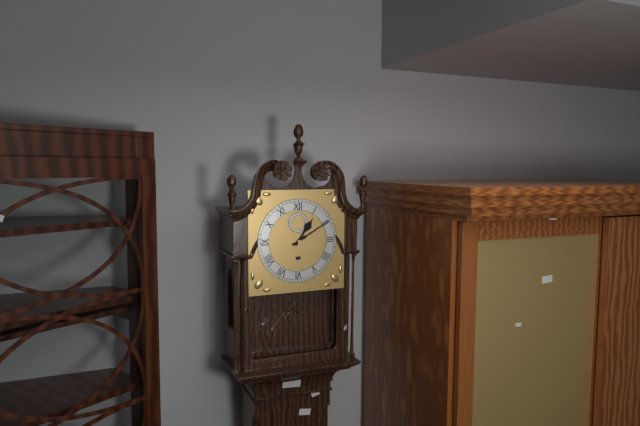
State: 1 h 10 min
